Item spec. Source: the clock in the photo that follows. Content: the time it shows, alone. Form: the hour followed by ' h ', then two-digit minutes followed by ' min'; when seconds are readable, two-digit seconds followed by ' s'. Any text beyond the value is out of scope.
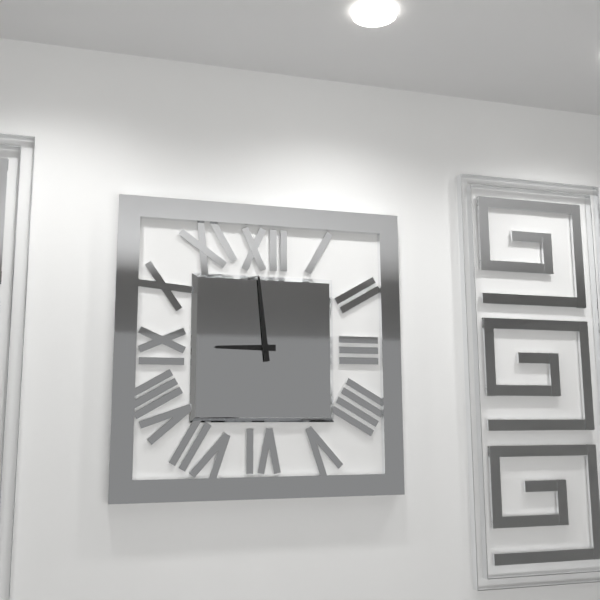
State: 8 h 59 min
